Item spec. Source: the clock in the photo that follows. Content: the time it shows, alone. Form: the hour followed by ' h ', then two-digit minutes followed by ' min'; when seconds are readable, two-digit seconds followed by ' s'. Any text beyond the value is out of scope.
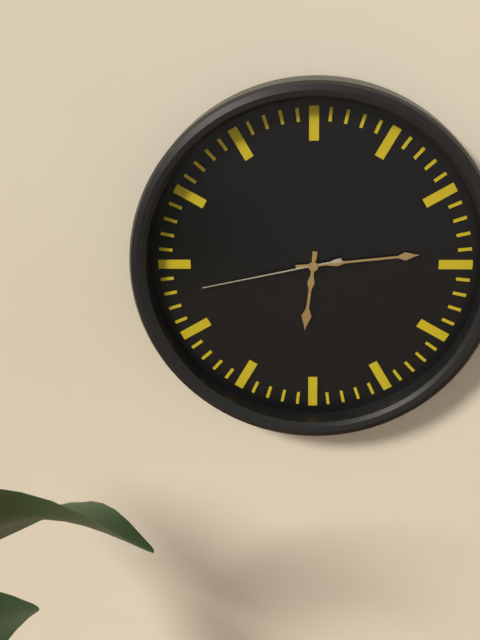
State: 6 h 14 min 43 s
